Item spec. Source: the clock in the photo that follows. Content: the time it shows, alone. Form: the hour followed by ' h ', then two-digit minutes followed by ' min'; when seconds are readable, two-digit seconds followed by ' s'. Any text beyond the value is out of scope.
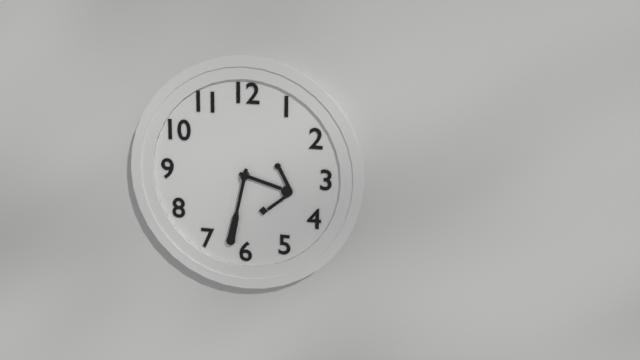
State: 3 h 32 min
